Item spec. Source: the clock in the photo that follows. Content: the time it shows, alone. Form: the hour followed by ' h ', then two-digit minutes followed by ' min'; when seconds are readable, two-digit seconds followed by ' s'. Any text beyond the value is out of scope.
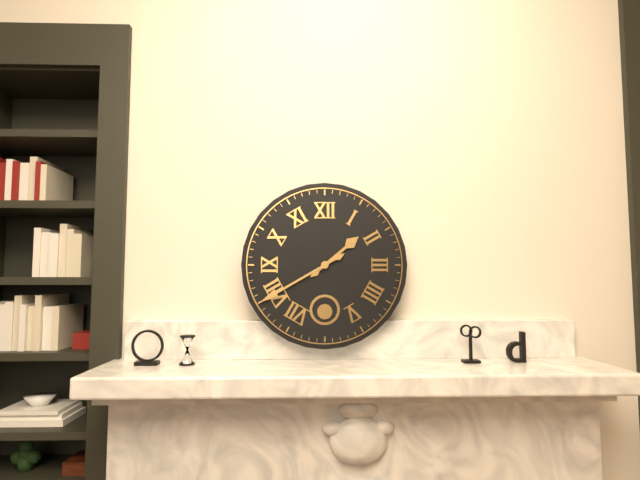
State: 1 h 40 min
